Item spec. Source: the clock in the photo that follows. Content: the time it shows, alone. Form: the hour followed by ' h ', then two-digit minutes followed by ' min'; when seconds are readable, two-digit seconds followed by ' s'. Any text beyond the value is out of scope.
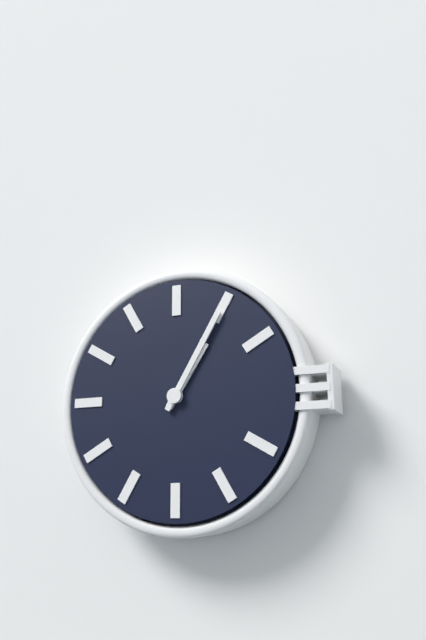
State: 1 h 05 min
